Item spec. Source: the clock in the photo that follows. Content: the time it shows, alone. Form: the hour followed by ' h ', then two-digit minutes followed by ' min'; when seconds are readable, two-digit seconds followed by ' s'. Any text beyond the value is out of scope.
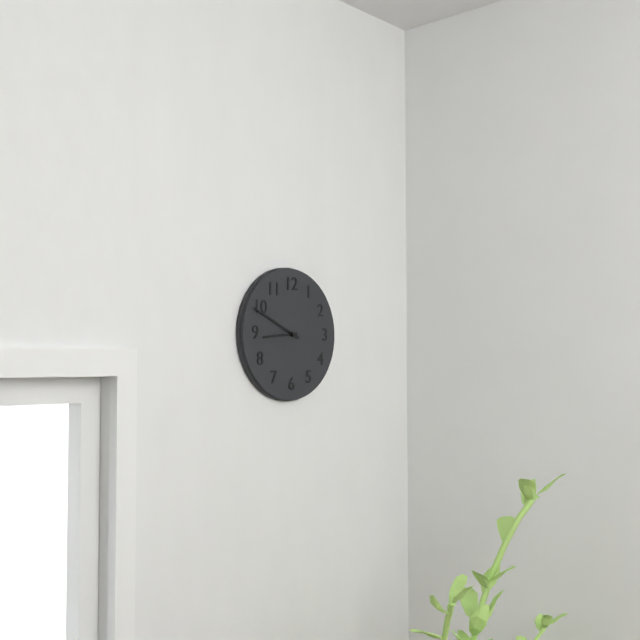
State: 8 h 49 min
